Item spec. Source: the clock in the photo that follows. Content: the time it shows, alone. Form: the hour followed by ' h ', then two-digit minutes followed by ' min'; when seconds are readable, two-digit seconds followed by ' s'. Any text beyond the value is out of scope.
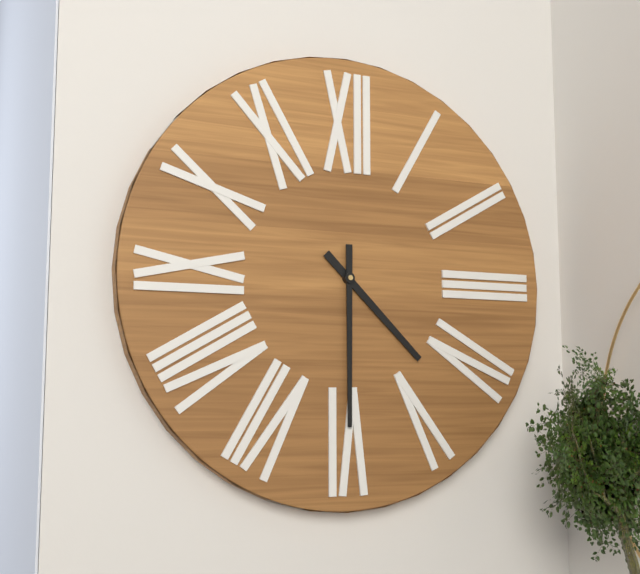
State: 4 h 30 min
